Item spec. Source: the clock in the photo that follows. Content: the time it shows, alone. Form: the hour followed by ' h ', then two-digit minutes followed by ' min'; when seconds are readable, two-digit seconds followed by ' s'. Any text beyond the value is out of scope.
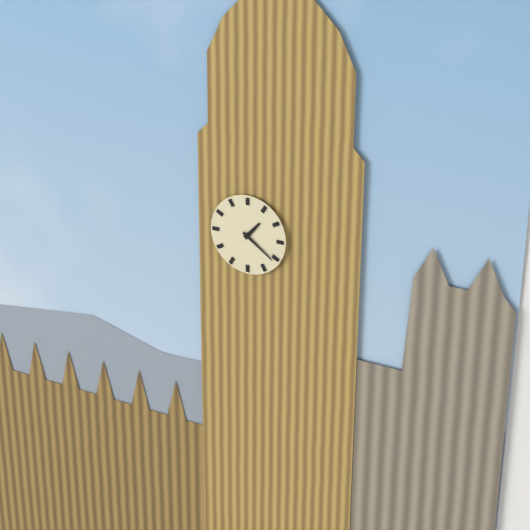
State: 1 h 21 min
